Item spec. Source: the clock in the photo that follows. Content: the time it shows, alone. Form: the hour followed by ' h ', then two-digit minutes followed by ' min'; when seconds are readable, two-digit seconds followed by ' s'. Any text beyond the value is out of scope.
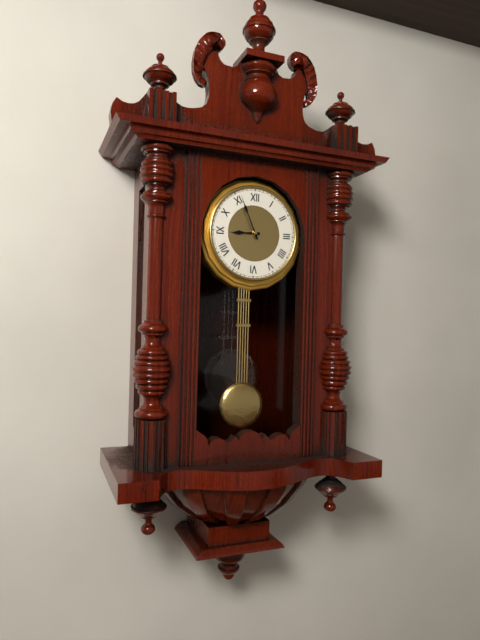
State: 8 h 56 min
